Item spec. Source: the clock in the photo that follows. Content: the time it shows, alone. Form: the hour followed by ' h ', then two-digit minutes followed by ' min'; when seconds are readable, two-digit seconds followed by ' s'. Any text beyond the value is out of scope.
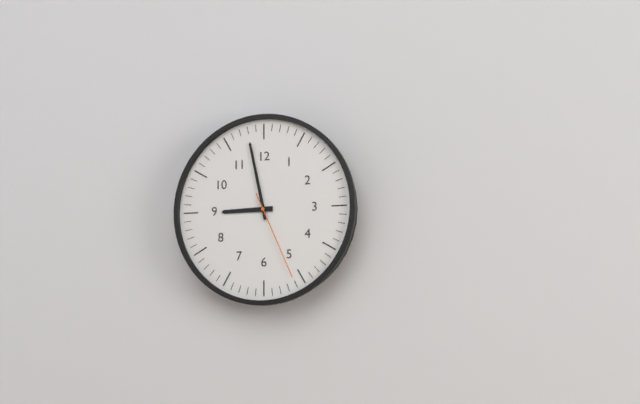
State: 8 h 58 min 26 s
